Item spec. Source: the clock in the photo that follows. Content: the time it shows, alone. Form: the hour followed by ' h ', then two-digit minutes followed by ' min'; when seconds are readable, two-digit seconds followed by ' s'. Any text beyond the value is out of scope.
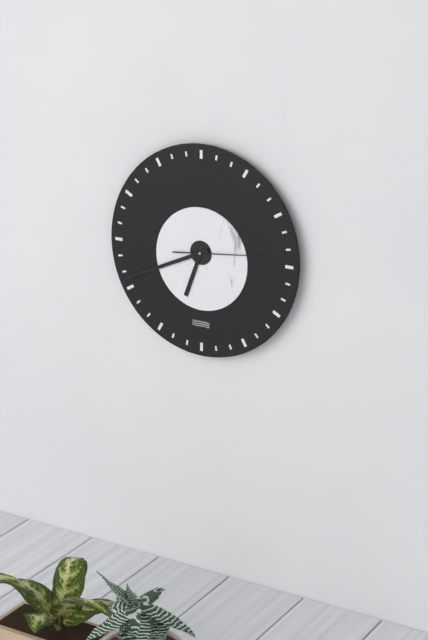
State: 6 h 41 min 14 s
